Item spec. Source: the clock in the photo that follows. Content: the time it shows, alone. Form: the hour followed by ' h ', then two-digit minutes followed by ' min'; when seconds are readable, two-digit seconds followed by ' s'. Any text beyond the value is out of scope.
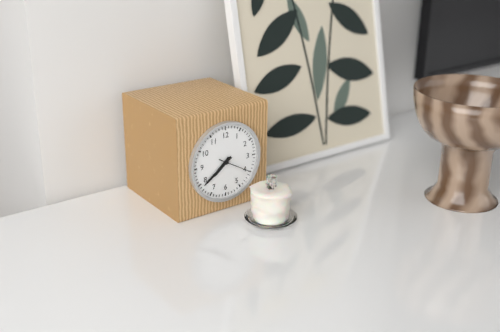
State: 7 h 39 min
